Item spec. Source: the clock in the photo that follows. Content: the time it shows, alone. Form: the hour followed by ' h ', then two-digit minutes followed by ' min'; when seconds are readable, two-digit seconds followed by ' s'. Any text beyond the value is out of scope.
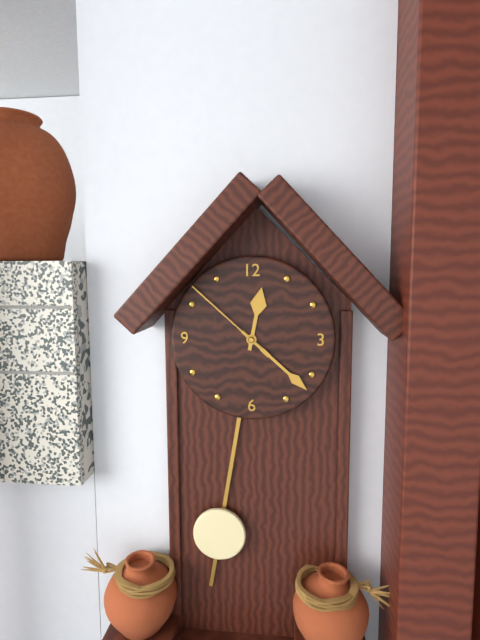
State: 12 h 22 min 52 s
